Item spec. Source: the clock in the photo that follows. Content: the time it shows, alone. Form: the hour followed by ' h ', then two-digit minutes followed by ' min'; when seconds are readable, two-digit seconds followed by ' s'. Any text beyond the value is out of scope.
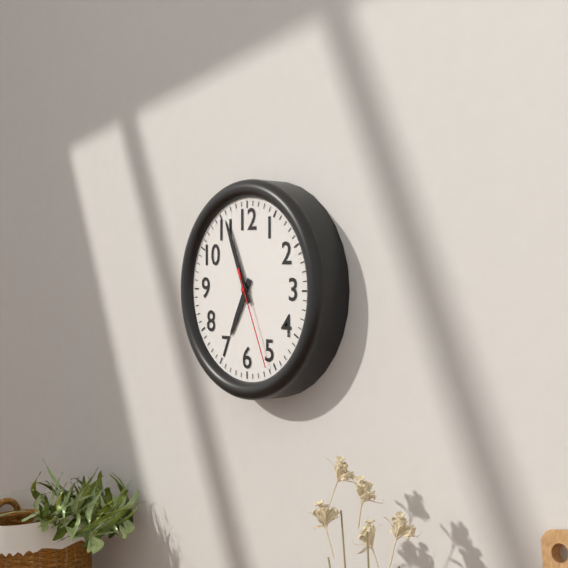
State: 6 h 56 min 26 s
